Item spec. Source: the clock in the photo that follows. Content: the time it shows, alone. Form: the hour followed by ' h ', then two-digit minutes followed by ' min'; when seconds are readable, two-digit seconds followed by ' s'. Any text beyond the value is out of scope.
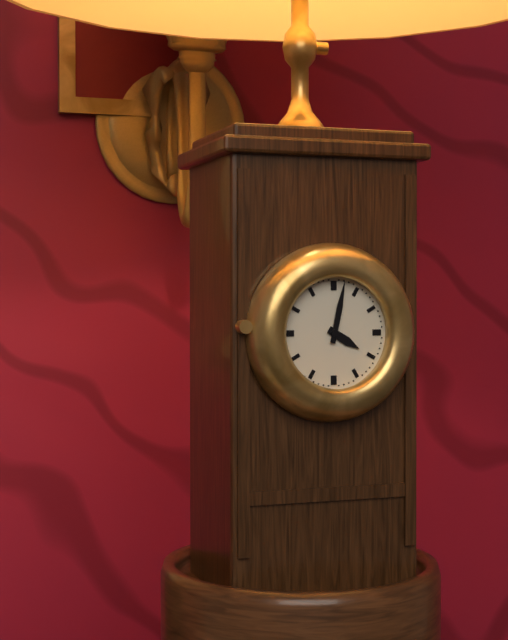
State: 4 h 02 min
